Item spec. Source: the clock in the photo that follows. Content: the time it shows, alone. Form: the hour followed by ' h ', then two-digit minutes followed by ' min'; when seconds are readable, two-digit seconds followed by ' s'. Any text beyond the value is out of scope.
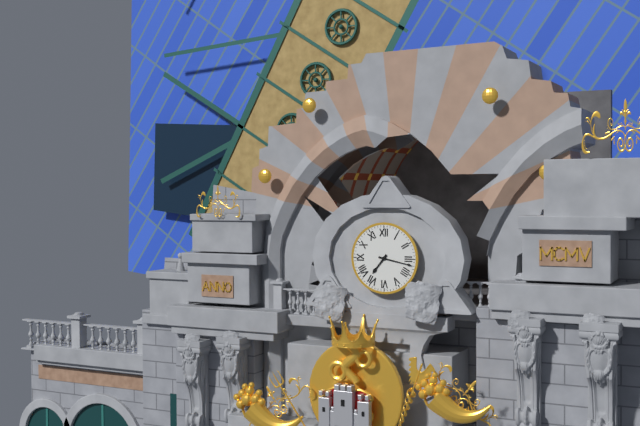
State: 7 h 17 min
